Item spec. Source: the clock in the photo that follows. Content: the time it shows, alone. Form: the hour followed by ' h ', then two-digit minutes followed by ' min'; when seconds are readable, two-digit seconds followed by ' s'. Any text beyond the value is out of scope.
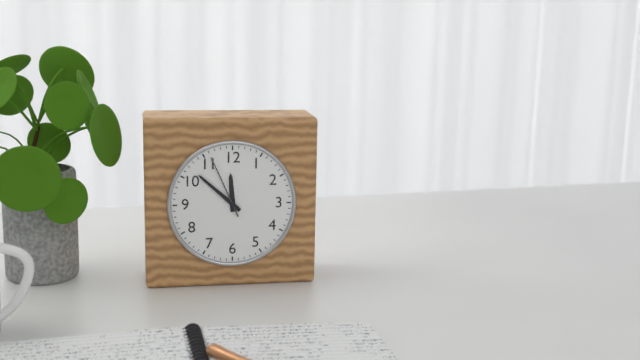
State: 11 h 52 min 56 s
